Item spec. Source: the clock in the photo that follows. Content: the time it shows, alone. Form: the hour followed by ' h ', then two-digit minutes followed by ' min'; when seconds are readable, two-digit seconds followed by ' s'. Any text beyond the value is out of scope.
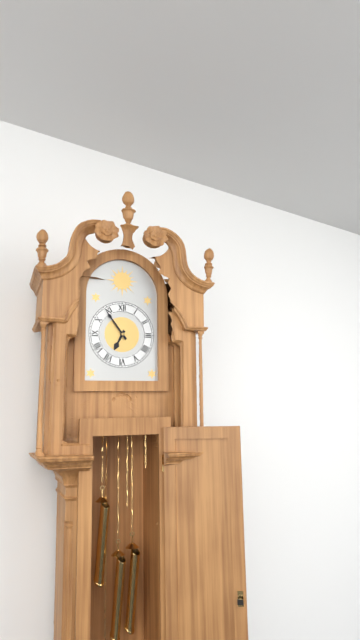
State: 6 h 54 min
